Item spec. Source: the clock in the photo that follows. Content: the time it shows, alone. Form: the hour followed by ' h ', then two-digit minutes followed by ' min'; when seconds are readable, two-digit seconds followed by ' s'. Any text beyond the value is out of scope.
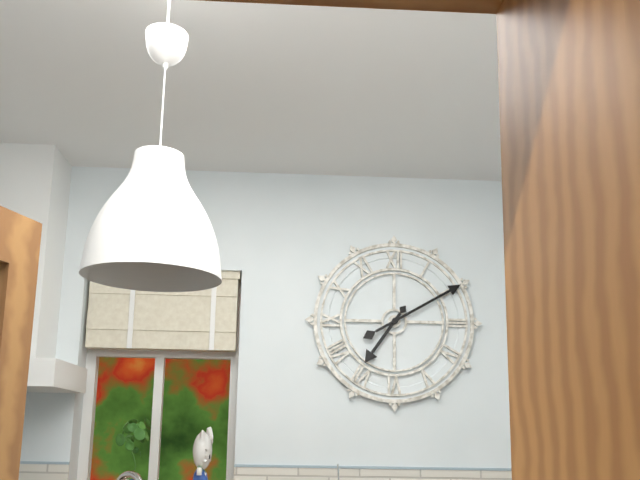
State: 7 h 10 min
